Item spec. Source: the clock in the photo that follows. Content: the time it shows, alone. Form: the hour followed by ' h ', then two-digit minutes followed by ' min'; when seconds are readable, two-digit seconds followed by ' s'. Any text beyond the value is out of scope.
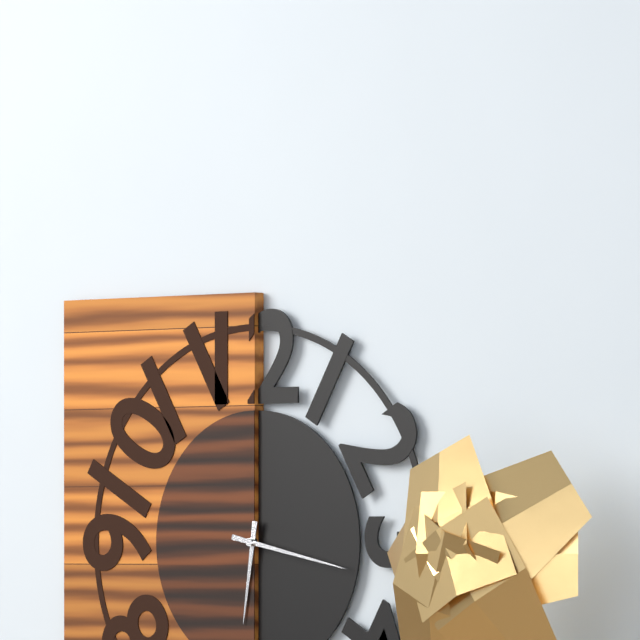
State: 6 h 17 min
